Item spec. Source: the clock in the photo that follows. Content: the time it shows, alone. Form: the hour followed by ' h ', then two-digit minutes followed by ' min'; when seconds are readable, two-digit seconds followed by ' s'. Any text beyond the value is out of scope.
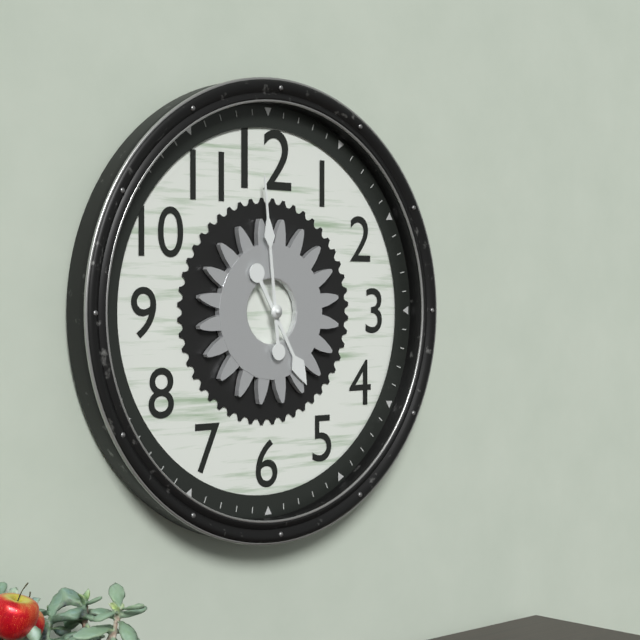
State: 4 h 59 min
